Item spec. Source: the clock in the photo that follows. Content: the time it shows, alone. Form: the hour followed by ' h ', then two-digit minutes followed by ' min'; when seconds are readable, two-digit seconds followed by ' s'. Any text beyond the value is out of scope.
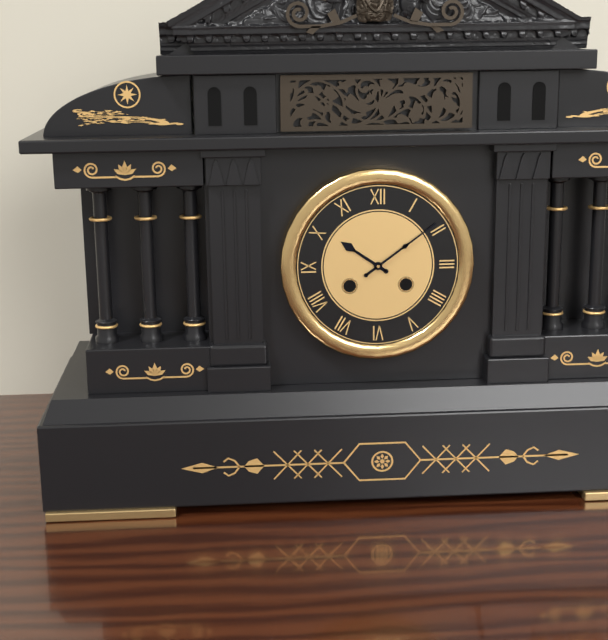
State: 10 h 09 min
